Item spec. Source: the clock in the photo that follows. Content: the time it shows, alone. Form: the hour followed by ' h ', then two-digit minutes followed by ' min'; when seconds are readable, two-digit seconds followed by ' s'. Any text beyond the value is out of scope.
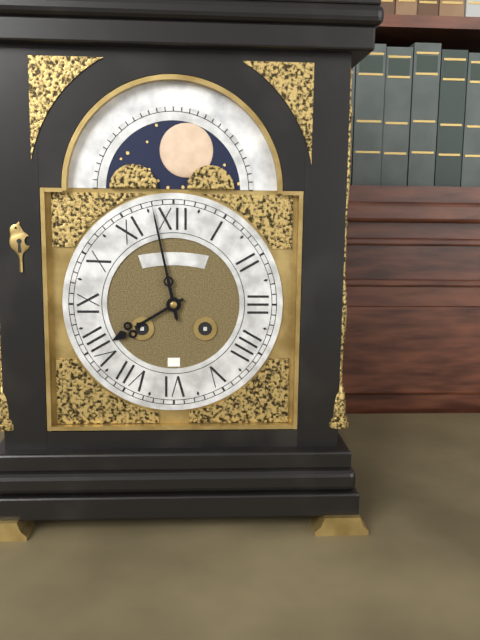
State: 7 h 58 min
